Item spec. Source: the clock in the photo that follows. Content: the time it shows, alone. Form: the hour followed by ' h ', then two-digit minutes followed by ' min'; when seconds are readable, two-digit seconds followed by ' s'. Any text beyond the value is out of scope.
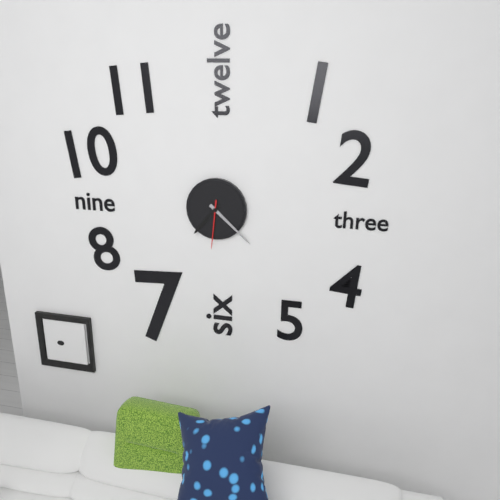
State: 7 h 22 min
